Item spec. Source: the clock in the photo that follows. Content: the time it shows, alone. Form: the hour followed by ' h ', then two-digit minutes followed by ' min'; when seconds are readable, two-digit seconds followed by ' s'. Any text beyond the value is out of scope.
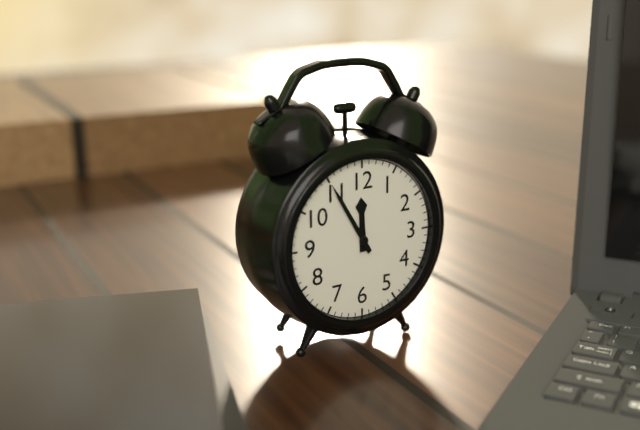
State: 11 h 55 min
